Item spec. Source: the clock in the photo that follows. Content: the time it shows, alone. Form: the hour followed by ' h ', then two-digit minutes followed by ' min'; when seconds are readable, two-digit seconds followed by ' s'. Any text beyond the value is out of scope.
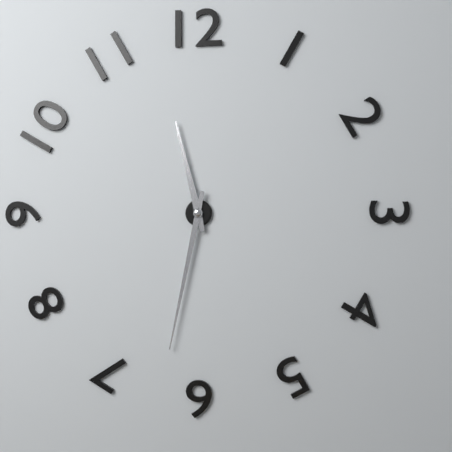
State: 11 h 32 min
